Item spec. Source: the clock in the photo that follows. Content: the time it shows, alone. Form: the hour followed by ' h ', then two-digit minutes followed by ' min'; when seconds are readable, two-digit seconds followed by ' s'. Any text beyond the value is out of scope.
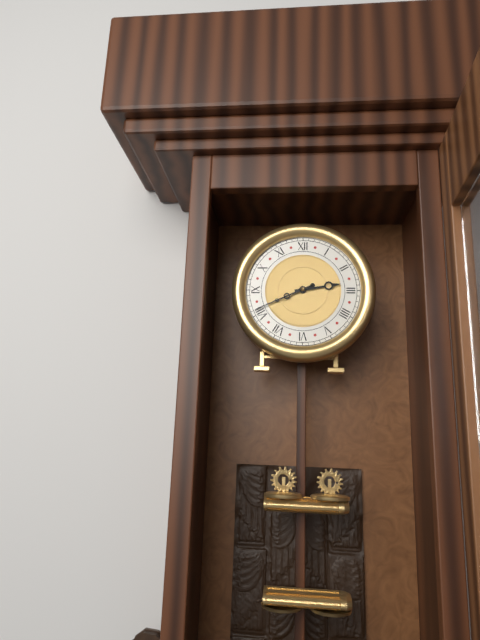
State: 2 h 41 min
